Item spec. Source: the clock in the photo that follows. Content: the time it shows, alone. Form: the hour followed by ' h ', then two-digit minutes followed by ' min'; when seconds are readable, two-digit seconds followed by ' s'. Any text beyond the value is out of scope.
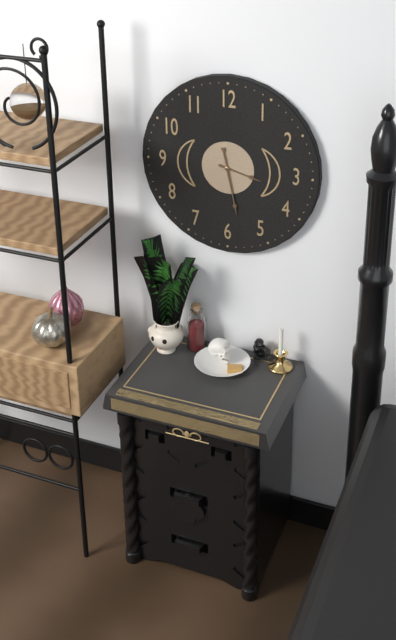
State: 3 h 28 min
